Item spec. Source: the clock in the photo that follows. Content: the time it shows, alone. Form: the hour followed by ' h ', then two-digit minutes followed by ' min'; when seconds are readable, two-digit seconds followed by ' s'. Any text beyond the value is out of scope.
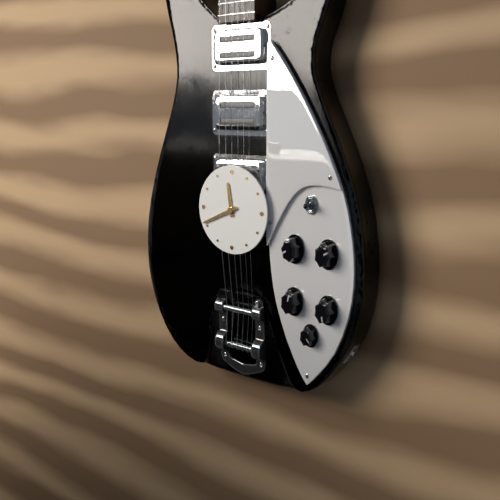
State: 11 h 41 min
